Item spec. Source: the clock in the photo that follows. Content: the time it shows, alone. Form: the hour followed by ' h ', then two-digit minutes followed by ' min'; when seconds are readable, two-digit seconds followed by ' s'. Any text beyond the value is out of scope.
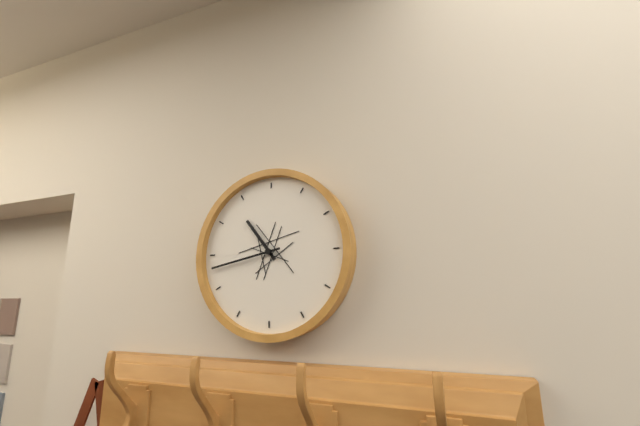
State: 10 h 43 min
